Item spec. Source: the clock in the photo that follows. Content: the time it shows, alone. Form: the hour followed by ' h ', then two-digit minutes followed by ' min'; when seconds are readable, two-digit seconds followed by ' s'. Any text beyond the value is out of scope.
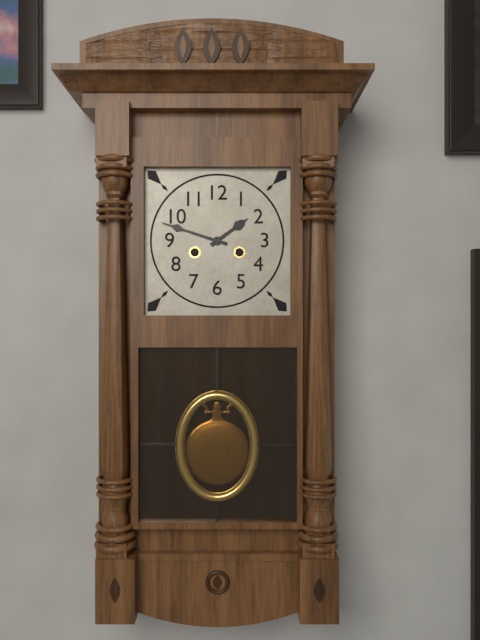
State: 1 h 48 min
